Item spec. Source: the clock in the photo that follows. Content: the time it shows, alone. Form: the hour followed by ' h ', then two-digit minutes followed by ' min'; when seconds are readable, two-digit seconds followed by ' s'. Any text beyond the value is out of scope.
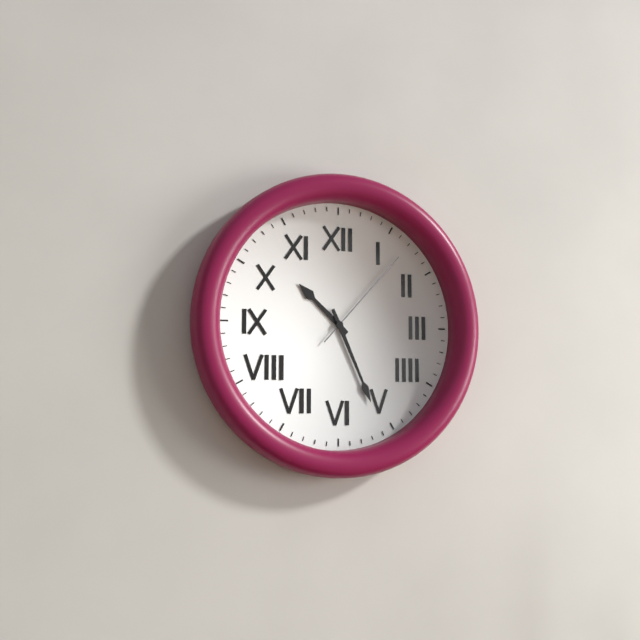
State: 10 h 26 min 07 s
